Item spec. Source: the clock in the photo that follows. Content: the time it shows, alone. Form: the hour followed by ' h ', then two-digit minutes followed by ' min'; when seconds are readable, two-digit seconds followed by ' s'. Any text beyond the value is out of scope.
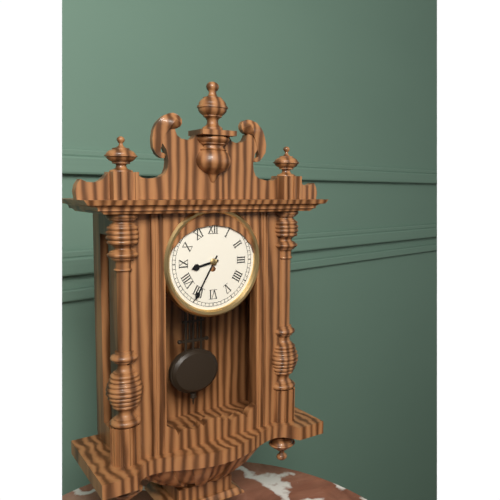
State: 8 h 35 min
